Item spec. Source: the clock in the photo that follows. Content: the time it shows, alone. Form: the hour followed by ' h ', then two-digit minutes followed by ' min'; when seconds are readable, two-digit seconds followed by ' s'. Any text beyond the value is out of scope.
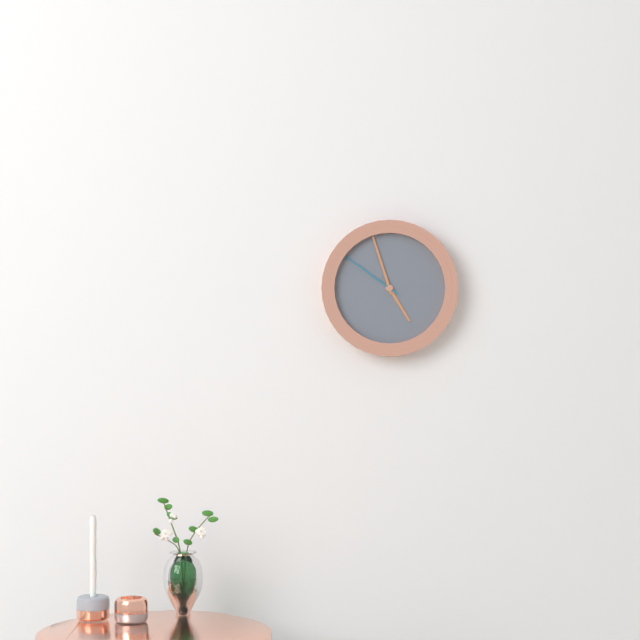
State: 4 h 57 min 51 s
